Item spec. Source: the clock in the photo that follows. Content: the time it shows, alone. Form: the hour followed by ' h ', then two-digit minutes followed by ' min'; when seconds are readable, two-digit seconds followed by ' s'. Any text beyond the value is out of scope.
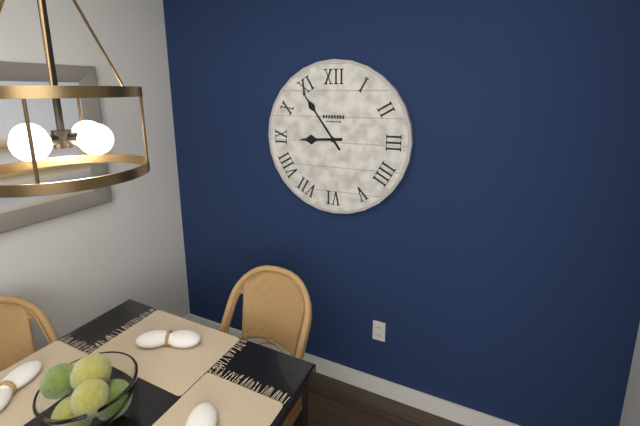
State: 8 h 54 min
